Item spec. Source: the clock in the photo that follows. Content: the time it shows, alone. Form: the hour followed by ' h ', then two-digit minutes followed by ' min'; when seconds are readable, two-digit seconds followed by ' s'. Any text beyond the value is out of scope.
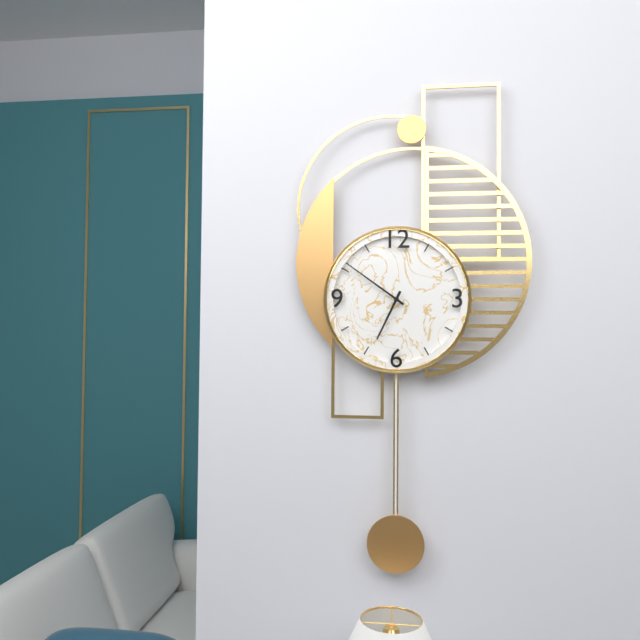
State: 6 h 51 min
